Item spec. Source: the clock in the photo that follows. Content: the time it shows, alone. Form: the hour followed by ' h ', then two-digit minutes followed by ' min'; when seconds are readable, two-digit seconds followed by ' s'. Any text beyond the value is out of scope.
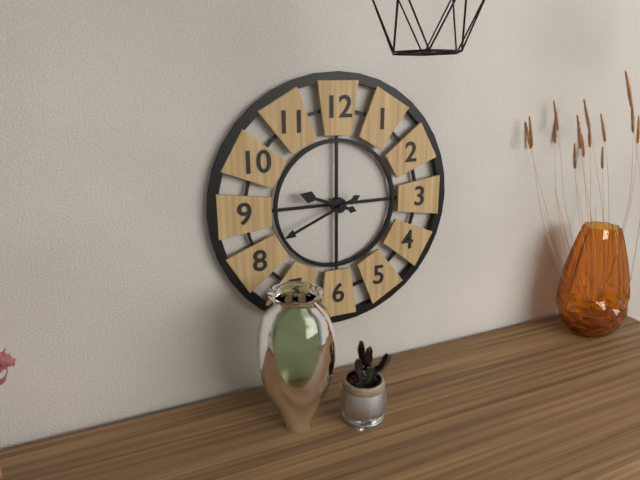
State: 9 h 41 min
